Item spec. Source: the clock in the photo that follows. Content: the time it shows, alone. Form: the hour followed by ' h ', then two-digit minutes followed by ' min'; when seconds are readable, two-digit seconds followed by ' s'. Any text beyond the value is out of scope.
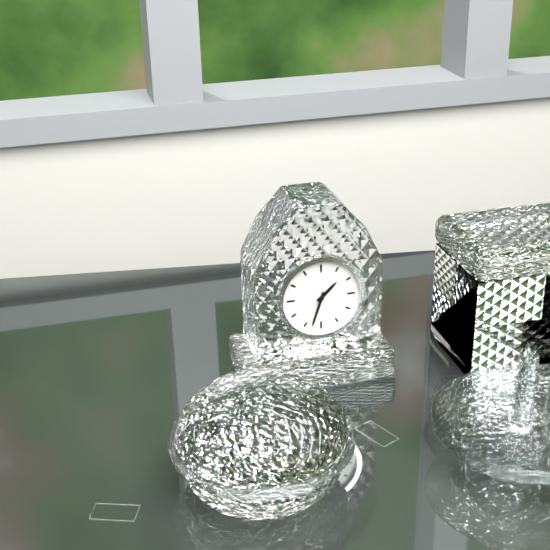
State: 1 h 33 min
